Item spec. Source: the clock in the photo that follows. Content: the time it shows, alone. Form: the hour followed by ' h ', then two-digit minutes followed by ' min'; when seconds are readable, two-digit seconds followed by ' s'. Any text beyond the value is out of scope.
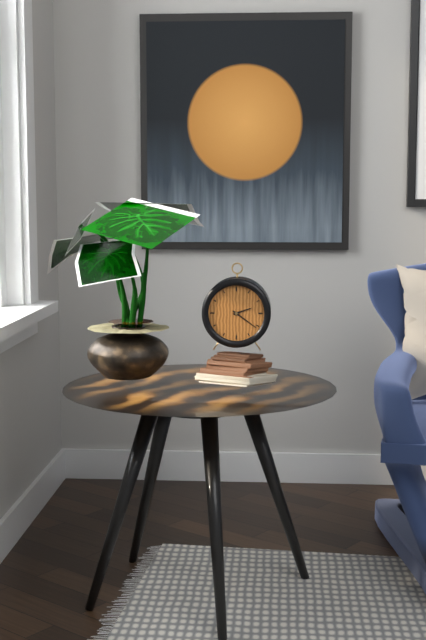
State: 2 h 21 min
